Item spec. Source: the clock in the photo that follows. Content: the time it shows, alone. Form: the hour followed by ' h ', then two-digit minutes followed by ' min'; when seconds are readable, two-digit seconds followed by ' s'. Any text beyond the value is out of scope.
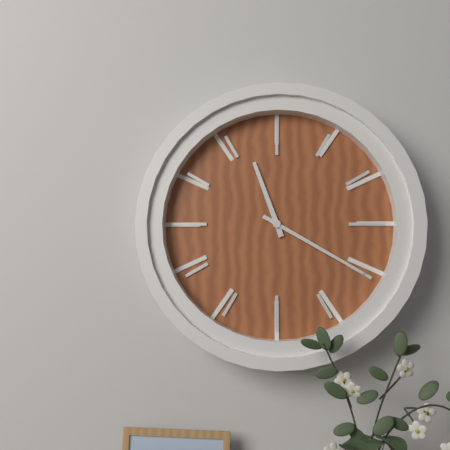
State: 11 h 20 min
